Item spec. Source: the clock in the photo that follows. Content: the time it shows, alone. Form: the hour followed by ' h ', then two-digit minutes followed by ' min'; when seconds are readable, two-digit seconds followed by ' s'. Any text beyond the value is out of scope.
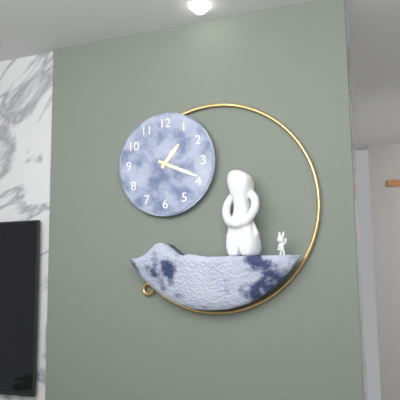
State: 1 h 19 min
